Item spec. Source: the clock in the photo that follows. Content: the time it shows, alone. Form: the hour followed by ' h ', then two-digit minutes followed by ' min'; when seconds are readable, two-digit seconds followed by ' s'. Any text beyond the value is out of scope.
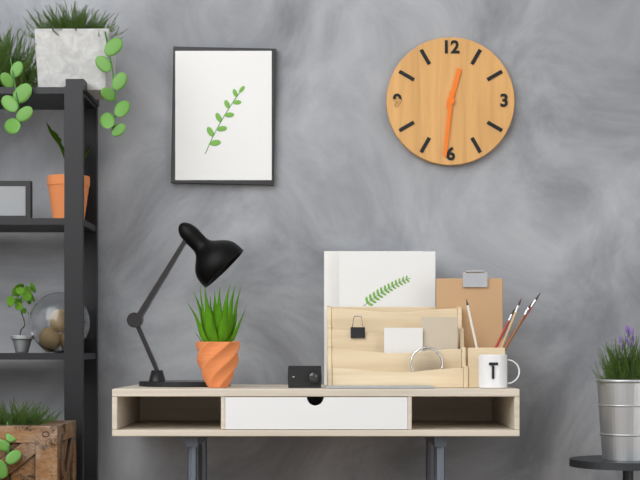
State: 12 h 31 min
